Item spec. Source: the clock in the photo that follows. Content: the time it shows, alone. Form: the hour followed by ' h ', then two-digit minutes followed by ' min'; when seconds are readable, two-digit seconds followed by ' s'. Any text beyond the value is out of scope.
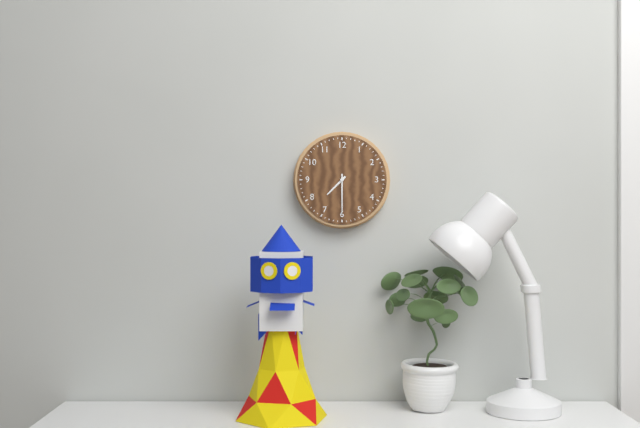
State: 7 h 30 min
